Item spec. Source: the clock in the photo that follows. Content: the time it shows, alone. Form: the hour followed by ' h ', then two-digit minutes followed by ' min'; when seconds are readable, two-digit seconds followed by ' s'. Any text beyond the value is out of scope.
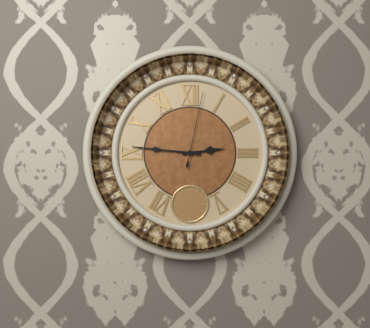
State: 2 h 46 min 02 s
